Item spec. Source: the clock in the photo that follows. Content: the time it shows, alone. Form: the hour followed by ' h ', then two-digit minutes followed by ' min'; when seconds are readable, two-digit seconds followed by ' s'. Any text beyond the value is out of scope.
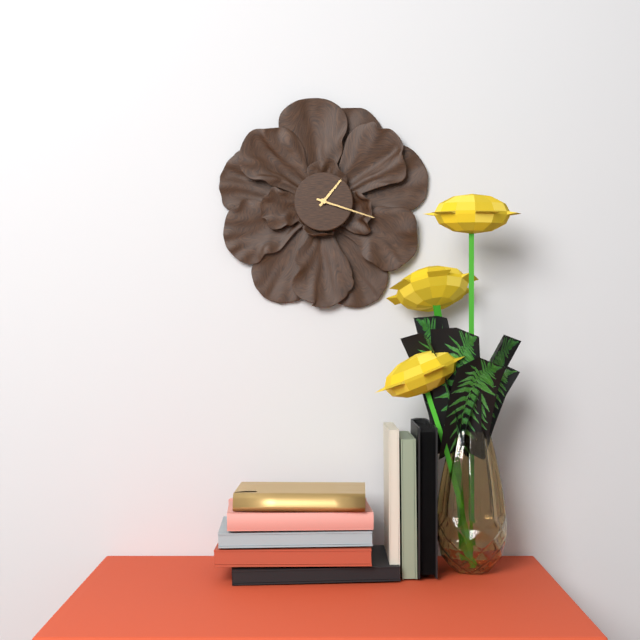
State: 1 h 18 min
